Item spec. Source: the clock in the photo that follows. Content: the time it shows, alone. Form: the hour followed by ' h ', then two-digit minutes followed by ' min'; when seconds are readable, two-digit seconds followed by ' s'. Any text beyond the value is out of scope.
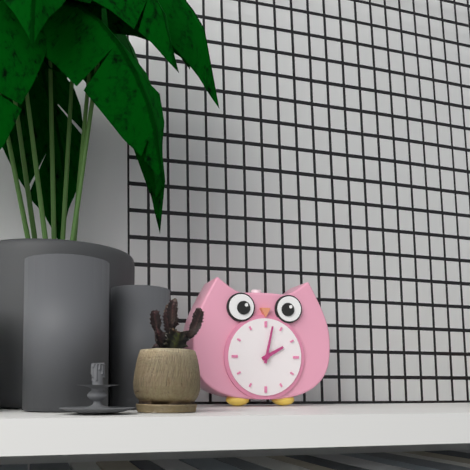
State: 2 h 02 min
